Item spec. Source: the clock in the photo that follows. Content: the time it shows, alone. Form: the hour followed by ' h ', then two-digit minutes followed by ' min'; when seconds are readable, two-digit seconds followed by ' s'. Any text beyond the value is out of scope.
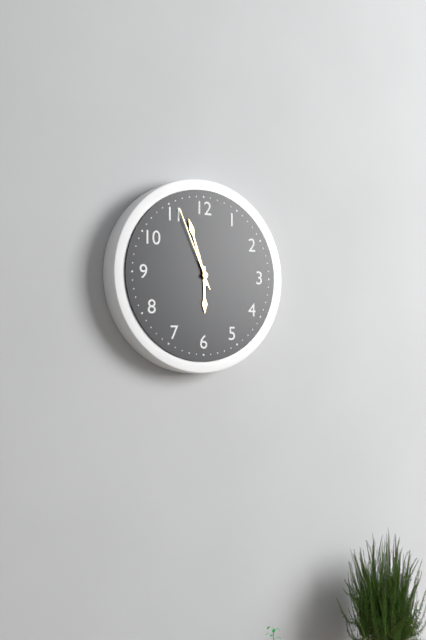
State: 5 h 57 min 56 s
